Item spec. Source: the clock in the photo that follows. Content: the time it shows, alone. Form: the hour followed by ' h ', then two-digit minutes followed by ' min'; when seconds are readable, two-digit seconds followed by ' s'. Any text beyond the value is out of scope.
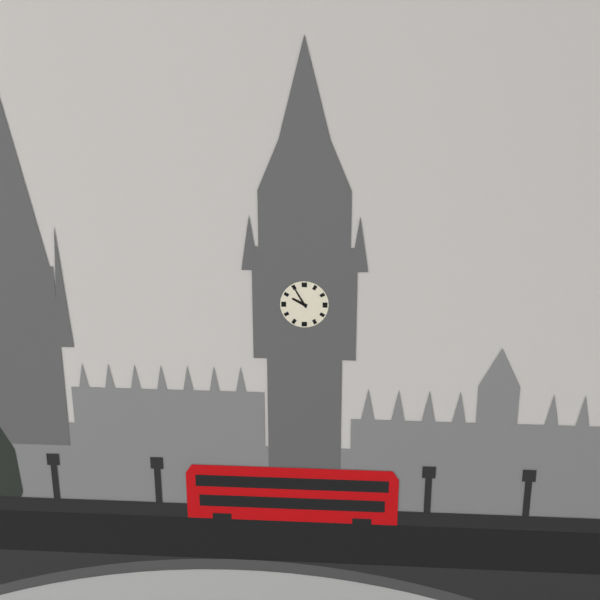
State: 9 h 55 min
